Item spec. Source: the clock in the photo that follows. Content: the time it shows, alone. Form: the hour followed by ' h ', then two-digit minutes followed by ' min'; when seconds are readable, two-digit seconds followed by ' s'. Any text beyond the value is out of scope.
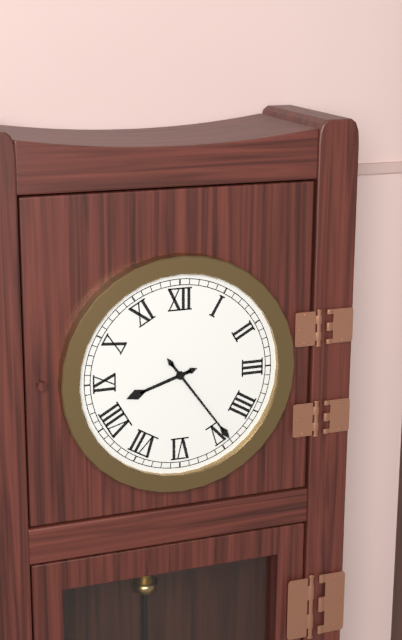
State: 8 h 24 min
